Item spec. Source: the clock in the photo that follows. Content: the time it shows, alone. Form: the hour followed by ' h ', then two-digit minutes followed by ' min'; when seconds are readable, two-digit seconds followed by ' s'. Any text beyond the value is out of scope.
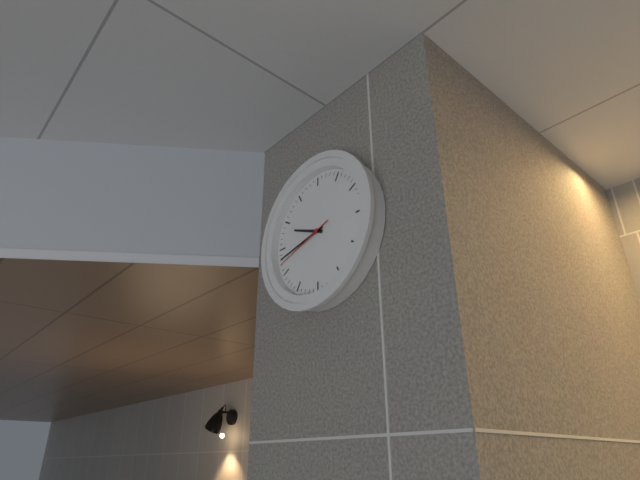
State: 9 h 43 min 42 s
